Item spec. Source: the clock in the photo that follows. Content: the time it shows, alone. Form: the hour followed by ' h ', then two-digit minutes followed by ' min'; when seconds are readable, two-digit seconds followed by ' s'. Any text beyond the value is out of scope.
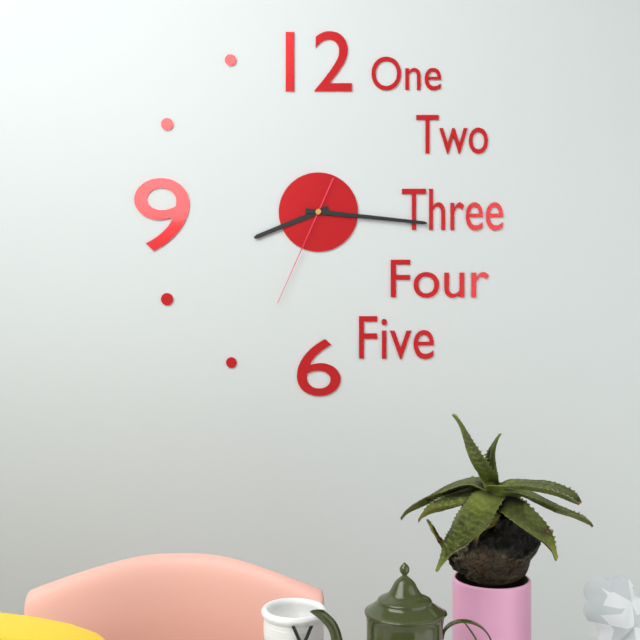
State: 8 h 16 min 34 s
